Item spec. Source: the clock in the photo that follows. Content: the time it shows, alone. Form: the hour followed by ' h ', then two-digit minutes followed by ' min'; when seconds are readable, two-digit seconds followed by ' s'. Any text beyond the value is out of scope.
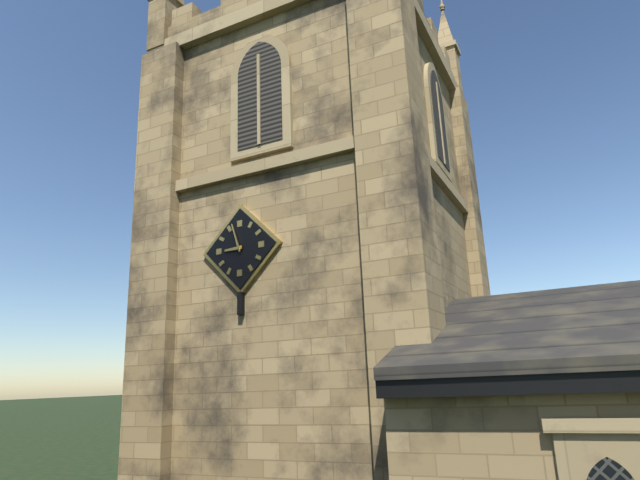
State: 8 h 57 min
